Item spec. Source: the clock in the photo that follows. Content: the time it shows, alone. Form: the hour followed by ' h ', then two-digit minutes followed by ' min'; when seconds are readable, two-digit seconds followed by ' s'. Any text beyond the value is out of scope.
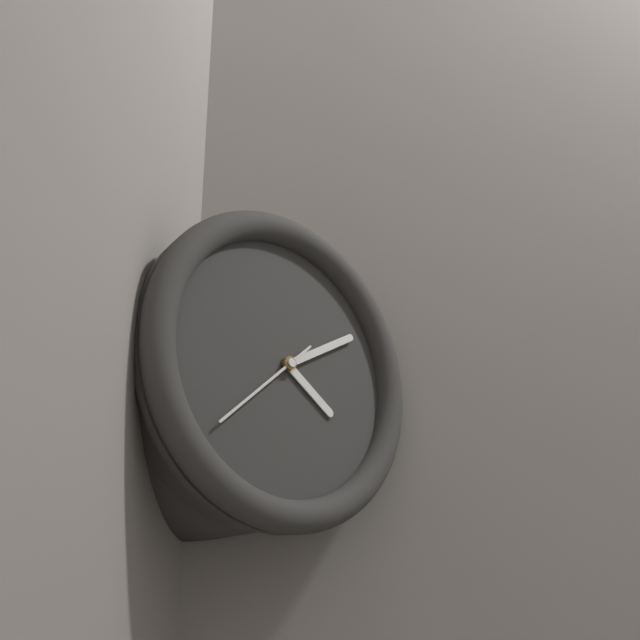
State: 4 h 10 min 38 s
